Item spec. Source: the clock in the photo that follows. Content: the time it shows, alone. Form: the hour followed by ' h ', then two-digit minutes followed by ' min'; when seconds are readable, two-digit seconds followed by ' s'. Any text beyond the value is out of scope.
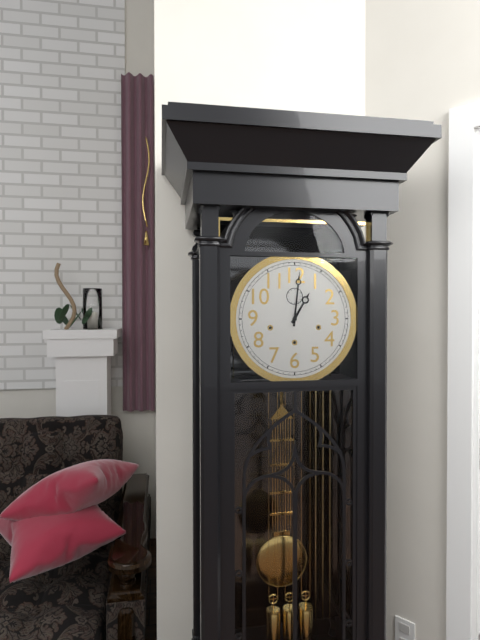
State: 1 h 01 min
